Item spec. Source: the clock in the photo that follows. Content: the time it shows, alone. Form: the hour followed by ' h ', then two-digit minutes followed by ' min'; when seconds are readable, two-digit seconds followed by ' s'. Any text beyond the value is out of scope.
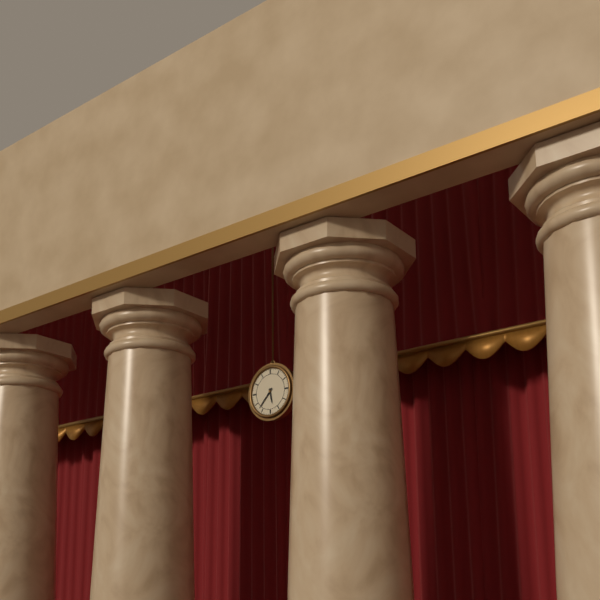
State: 5 h 37 min
